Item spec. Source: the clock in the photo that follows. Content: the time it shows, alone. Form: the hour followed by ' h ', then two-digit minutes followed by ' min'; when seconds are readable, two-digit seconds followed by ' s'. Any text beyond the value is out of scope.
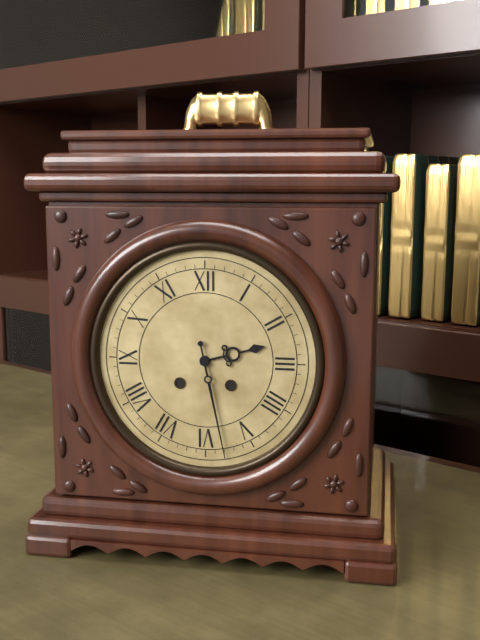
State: 2 h 28 min
